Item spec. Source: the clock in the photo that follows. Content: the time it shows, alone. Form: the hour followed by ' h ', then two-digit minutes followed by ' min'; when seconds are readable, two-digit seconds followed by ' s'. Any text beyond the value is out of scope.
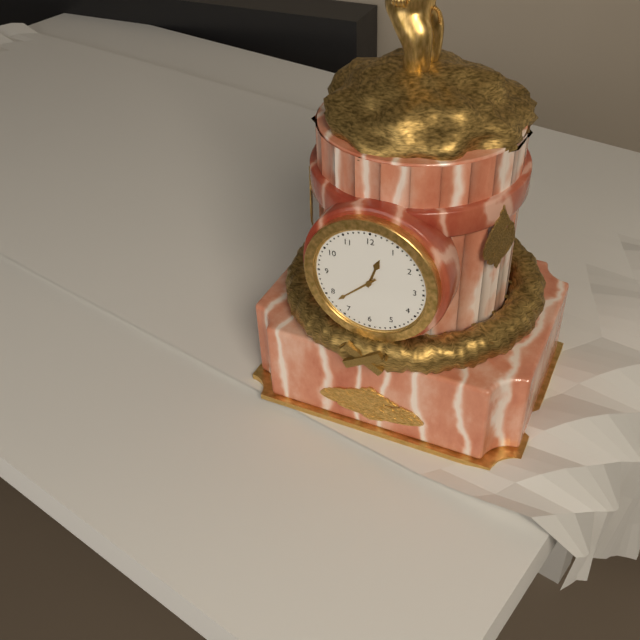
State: 12 h 38 min
